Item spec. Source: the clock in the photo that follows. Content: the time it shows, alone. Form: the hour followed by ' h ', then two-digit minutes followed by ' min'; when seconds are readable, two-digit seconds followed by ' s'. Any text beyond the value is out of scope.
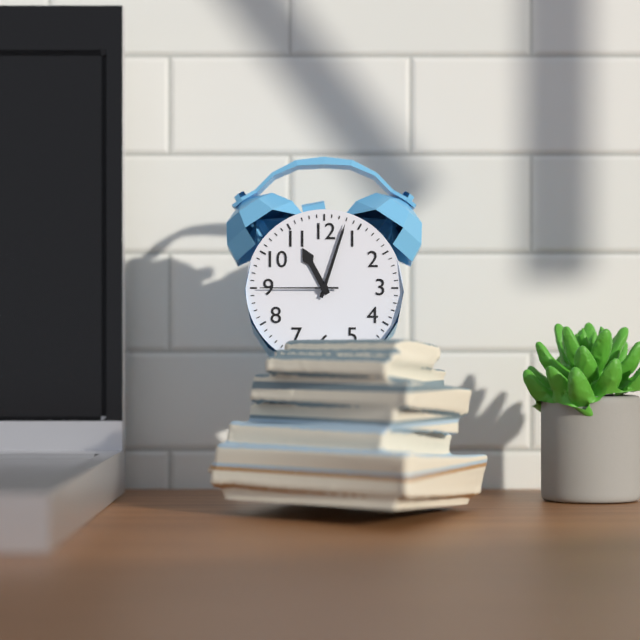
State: 11 h 03 min 45 s
